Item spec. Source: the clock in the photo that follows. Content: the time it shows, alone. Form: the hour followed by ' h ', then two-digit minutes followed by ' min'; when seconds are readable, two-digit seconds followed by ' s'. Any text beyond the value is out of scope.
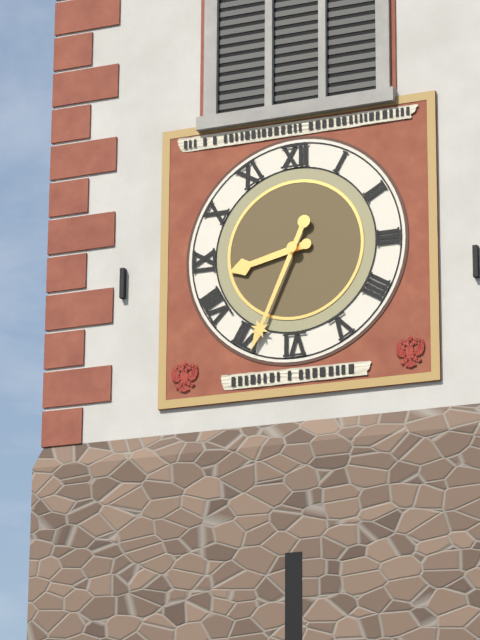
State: 8 h 34 min
